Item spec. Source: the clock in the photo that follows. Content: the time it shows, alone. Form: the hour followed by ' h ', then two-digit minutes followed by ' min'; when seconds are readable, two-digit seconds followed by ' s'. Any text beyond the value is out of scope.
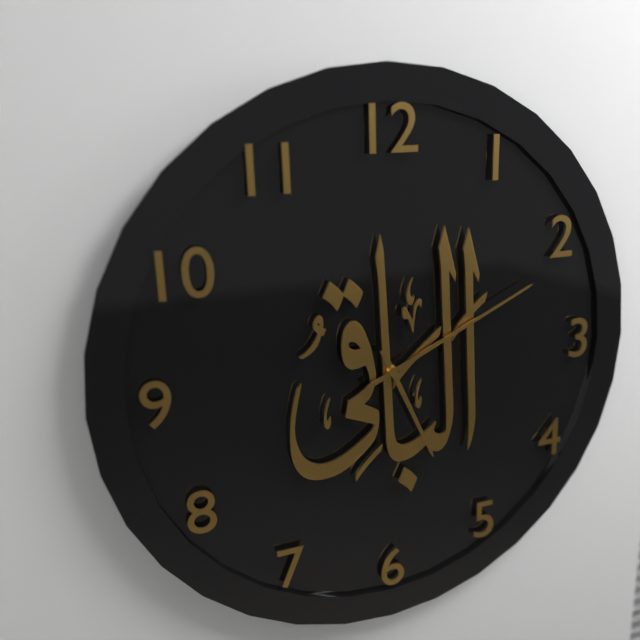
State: 5 h 11 min
